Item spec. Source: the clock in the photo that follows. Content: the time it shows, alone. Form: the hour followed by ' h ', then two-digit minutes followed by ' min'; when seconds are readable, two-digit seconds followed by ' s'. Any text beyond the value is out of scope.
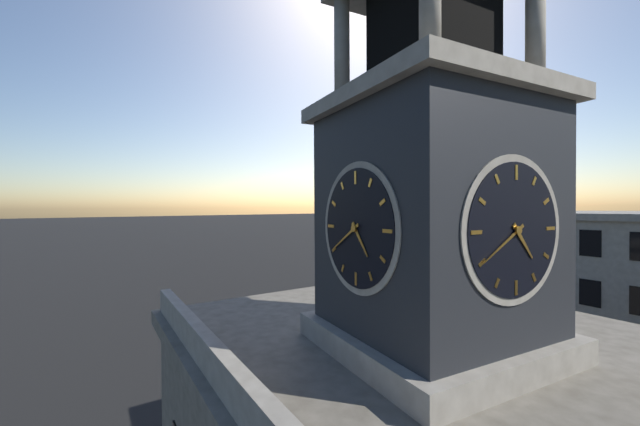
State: 4 h 40 min
